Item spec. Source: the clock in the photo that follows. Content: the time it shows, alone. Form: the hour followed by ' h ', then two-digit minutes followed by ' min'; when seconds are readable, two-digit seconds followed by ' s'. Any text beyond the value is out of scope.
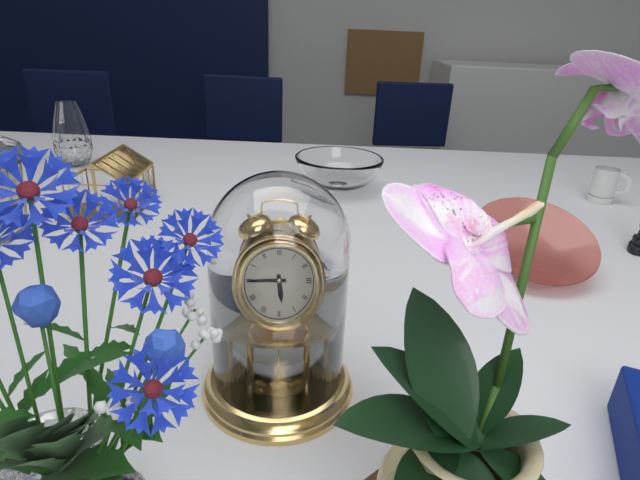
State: 5 h 45 min
